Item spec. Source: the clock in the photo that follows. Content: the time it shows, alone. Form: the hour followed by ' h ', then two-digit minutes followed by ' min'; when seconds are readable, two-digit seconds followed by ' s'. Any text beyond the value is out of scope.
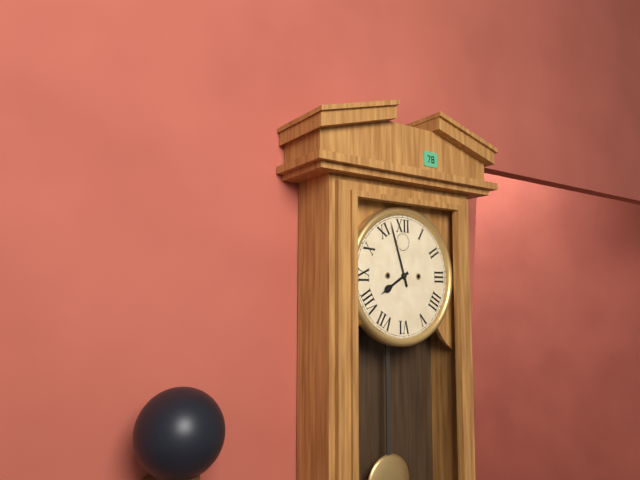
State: 7 h 57 min
